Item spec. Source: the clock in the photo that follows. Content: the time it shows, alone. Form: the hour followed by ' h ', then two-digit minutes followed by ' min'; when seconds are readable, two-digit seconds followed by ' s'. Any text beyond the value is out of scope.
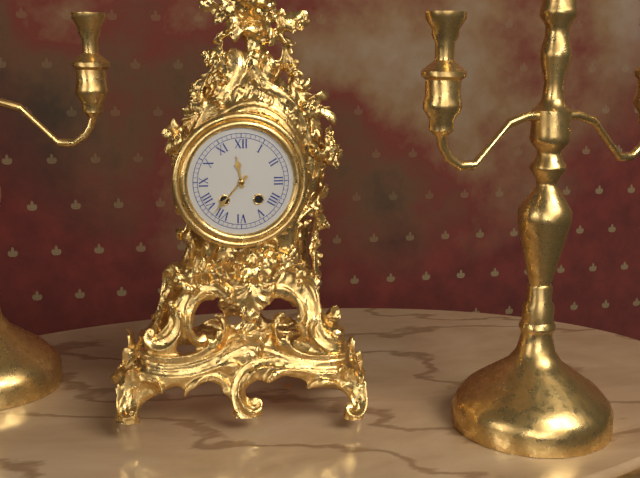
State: 11 h 37 min
